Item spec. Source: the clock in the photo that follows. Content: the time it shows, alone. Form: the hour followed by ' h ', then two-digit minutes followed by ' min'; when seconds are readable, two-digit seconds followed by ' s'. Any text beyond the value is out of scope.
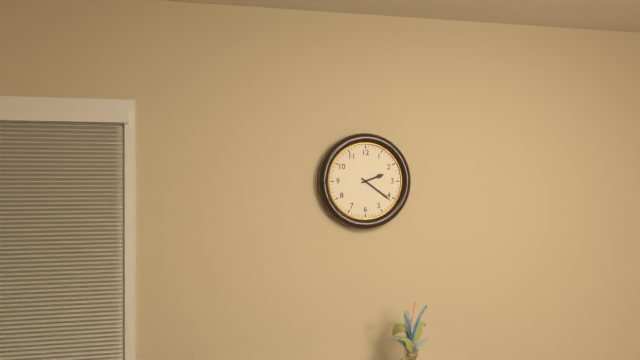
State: 2 h 21 min
